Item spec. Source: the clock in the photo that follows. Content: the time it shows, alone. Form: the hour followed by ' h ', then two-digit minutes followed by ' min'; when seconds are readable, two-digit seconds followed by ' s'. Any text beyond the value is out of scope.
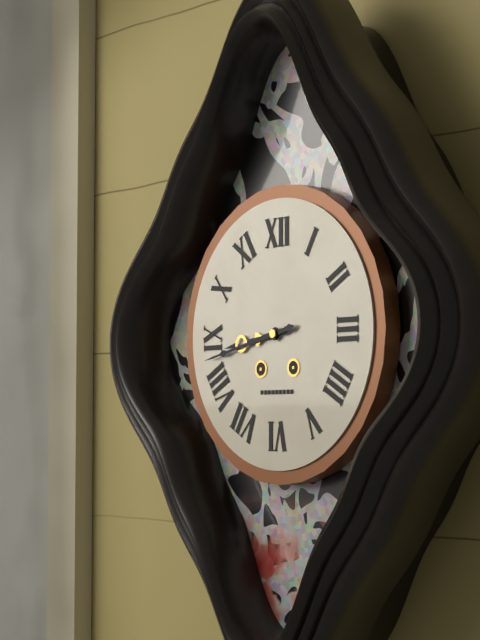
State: 8 h 43 min
